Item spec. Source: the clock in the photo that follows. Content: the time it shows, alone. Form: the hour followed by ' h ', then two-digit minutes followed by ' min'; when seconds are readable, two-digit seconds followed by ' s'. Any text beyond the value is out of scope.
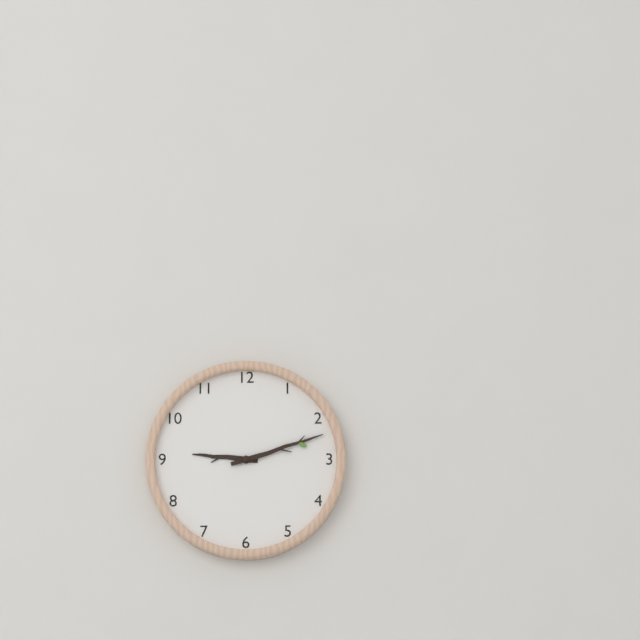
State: 9 h 12 min
